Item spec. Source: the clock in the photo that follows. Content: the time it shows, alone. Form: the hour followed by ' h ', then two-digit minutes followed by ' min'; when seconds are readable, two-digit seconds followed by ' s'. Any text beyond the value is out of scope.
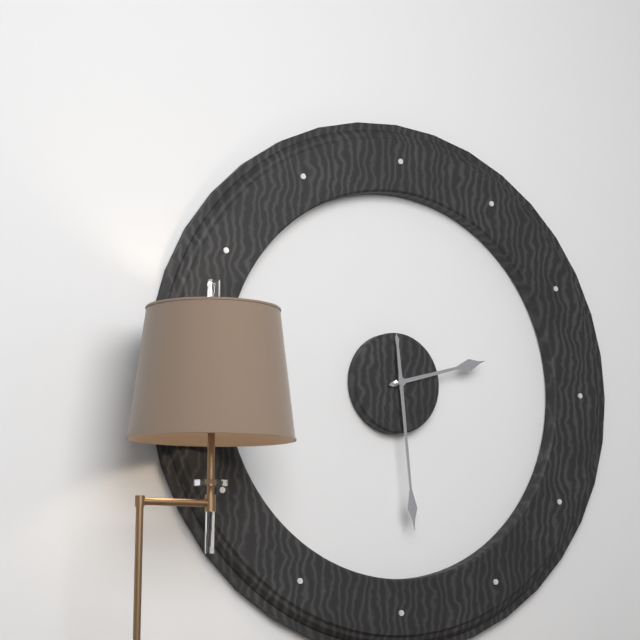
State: 2 h 29 min
